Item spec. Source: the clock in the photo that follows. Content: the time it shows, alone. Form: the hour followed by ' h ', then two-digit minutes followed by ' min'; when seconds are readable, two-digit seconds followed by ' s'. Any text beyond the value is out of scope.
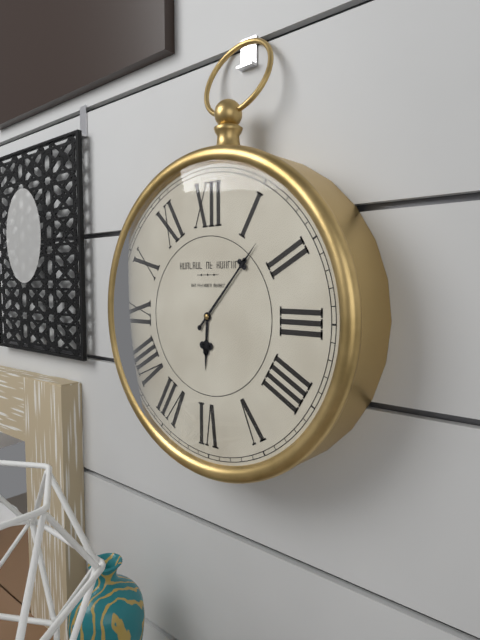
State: 6 h 07 min
